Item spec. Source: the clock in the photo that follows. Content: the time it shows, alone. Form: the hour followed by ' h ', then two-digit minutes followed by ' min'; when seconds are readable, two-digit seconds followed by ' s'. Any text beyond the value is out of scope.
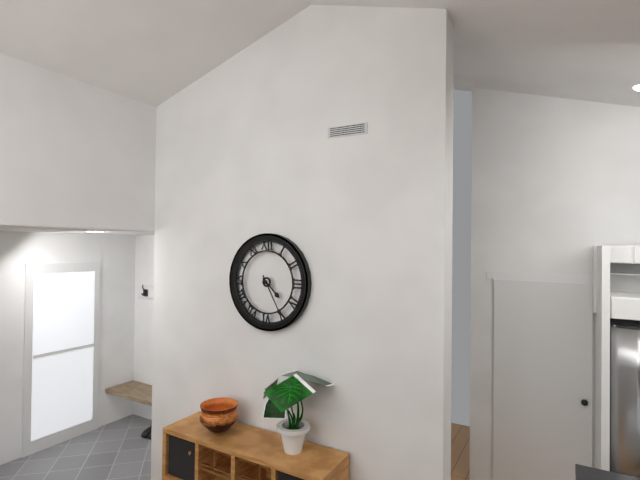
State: 4 h 25 min
